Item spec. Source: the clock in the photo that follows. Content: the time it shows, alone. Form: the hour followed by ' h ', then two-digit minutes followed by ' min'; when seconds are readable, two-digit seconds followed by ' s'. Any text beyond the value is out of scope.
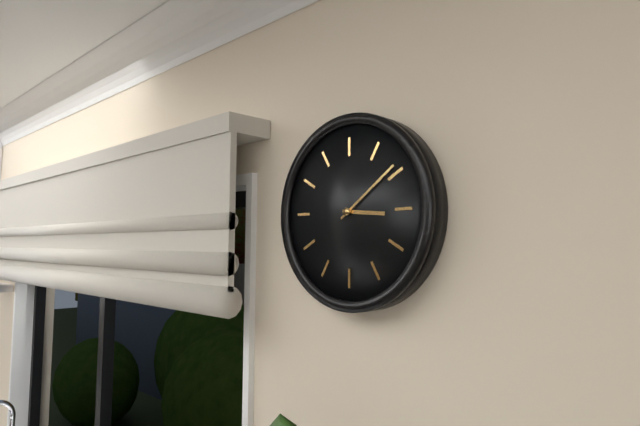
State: 3 h 09 min
